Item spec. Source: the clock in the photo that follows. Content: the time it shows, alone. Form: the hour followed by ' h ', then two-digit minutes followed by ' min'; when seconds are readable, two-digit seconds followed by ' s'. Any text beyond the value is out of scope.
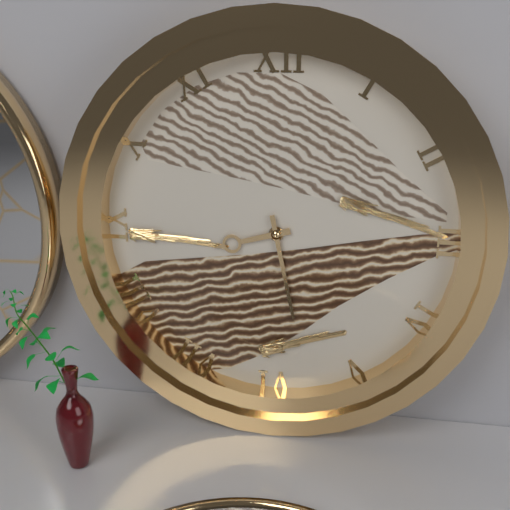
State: 8 h 28 min
